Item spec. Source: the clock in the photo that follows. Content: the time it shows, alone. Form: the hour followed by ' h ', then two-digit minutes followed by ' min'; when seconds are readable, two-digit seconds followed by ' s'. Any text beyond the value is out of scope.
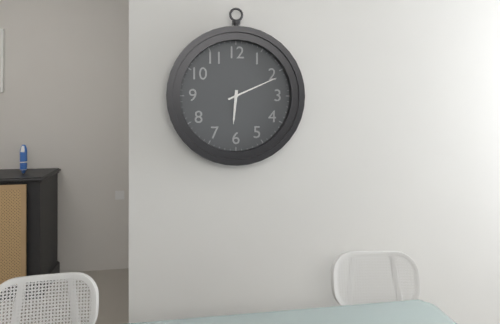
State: 6 h 11 min
